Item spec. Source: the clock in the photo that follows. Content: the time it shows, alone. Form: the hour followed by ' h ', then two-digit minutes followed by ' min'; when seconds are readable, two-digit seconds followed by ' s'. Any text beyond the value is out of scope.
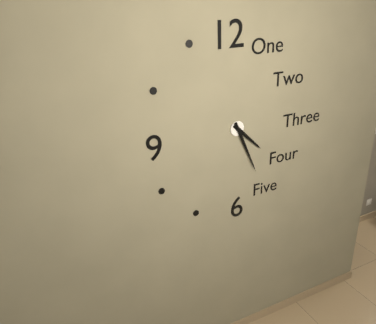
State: 4 h 26 min
